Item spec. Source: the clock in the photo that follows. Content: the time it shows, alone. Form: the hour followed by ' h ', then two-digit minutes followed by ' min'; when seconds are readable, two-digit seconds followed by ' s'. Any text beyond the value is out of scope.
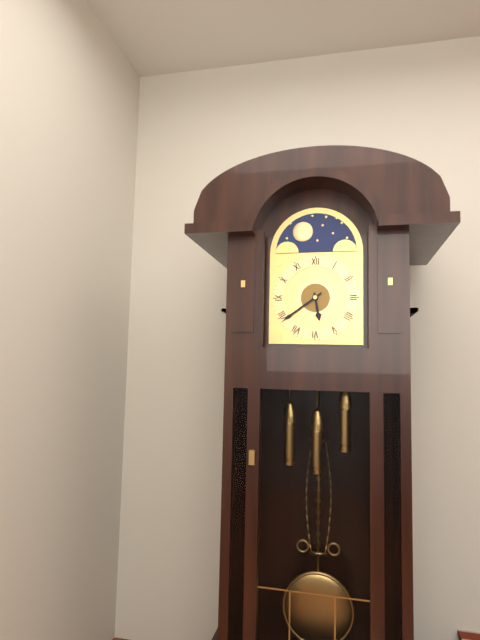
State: 5 h 39 min
